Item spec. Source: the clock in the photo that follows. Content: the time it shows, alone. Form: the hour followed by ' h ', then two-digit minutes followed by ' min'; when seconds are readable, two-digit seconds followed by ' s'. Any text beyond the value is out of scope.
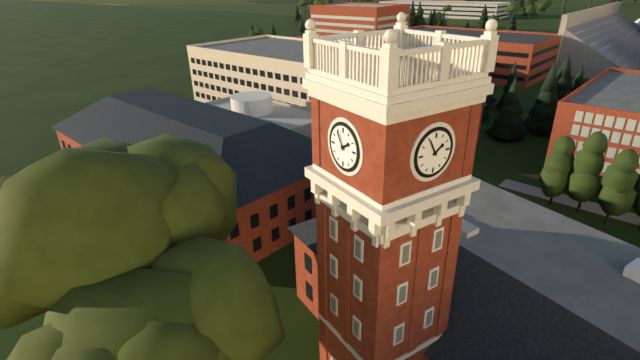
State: 1 h 55 min
